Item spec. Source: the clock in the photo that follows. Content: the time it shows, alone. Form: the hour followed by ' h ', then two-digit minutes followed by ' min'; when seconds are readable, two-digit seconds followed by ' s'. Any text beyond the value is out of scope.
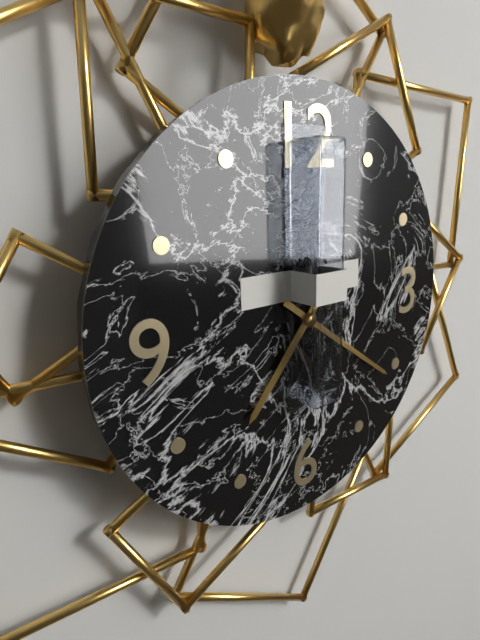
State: 7 h 21 min
